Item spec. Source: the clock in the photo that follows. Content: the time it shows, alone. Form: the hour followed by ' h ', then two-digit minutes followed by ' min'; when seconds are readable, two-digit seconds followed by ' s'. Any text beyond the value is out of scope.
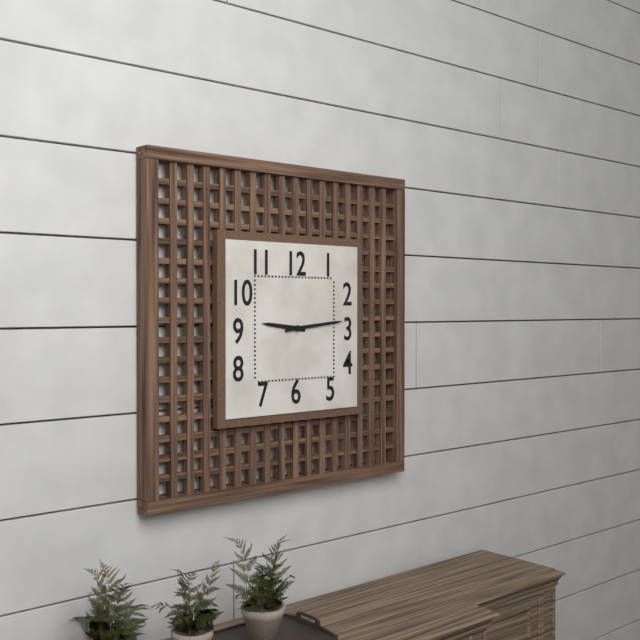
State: 9 h 14 min
